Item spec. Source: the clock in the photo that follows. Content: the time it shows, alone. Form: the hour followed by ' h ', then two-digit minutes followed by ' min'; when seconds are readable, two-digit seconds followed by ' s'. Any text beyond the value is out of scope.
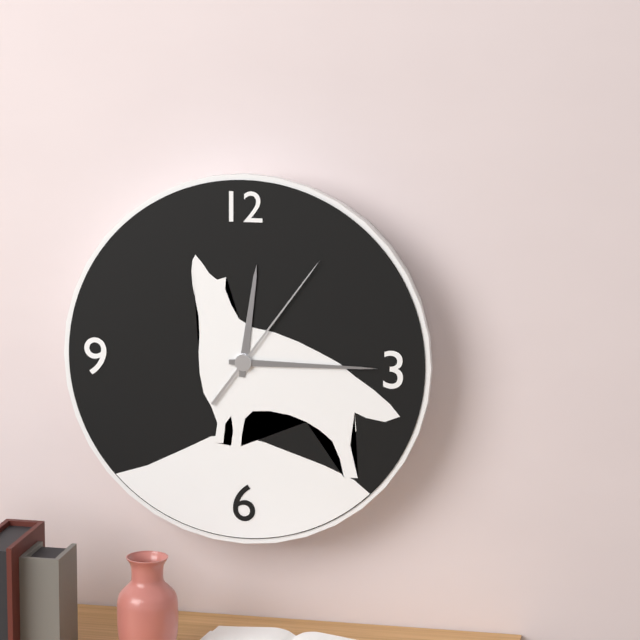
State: 12 h 15 min 06 s
